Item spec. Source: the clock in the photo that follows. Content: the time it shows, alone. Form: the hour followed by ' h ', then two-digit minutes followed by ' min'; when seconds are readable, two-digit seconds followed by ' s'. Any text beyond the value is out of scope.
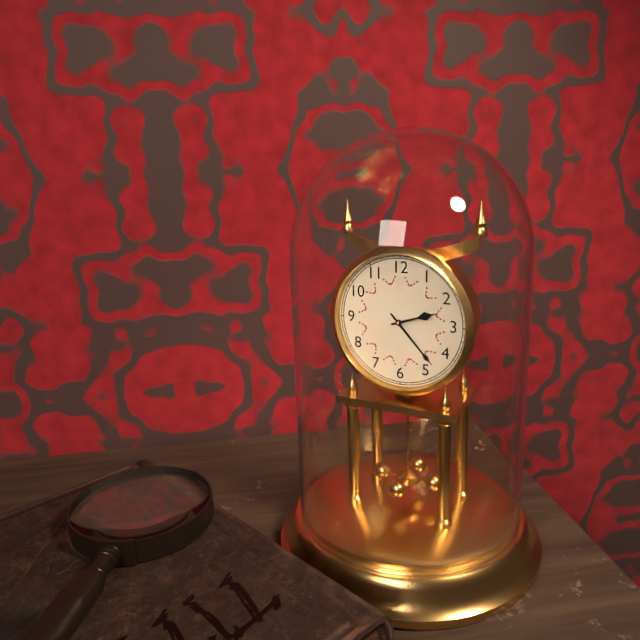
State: 2 h 23 min
